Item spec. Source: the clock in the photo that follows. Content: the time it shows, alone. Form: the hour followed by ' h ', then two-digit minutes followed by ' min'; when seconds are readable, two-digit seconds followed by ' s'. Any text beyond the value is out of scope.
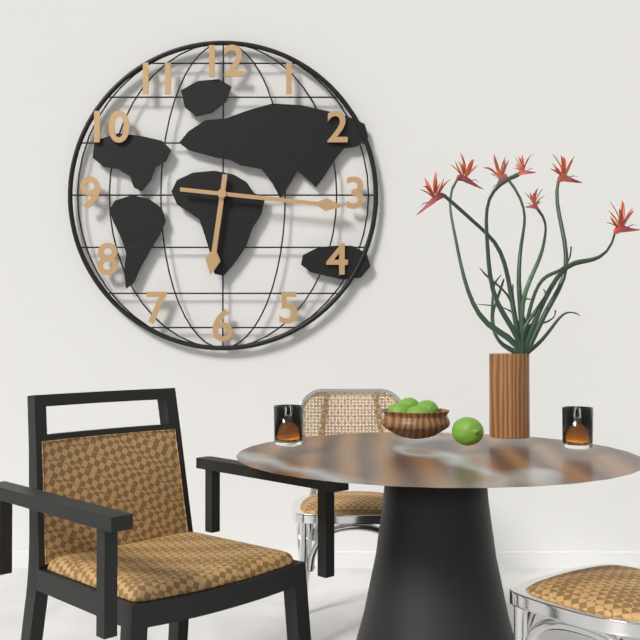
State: 6 h 16 min
